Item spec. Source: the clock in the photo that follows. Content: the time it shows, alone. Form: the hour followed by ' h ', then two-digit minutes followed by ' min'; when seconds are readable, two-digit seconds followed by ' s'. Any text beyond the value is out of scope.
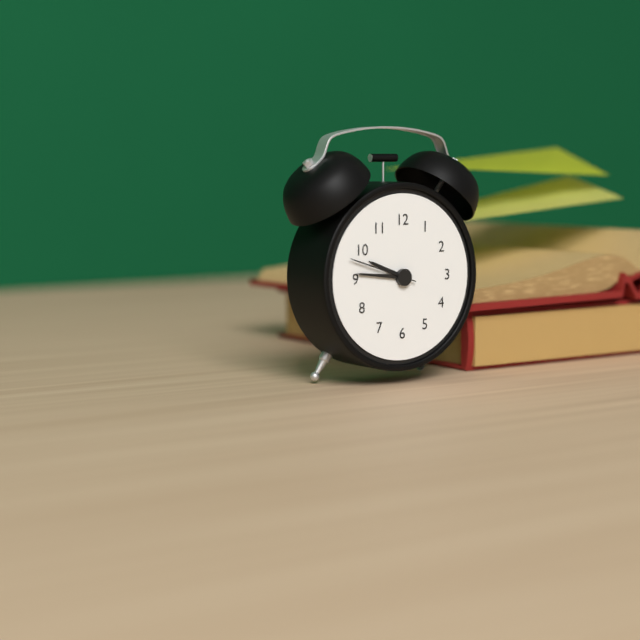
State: 9 h 46 min 48 s
